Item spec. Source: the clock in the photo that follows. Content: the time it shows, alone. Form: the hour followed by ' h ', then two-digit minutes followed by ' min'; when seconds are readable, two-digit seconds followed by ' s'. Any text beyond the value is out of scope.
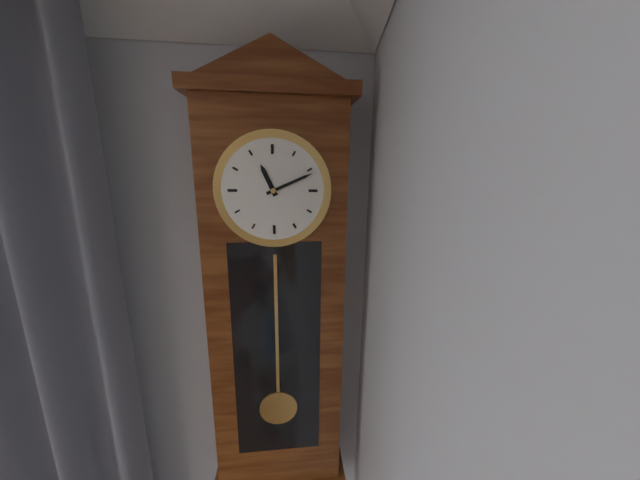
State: 11 h 11 min
